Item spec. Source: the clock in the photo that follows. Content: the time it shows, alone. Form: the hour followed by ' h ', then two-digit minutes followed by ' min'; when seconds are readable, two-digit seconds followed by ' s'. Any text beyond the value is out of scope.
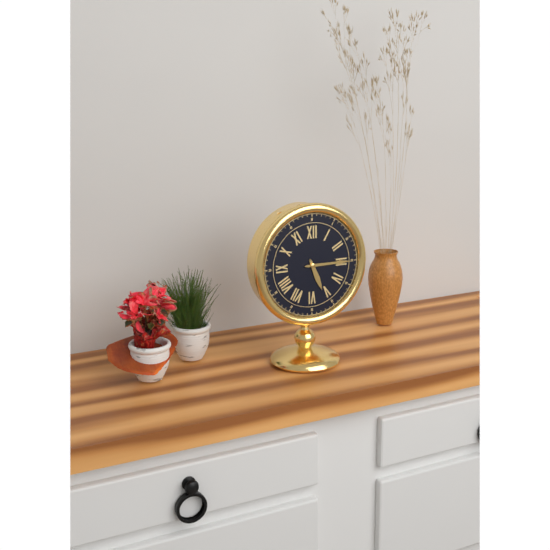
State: 5 h 15 min
